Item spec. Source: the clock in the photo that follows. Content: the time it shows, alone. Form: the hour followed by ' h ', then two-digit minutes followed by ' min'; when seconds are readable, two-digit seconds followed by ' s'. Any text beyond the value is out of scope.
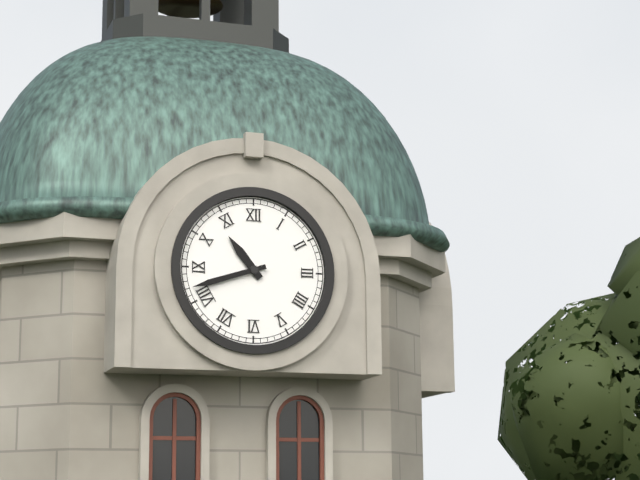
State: 10 h 42 min
